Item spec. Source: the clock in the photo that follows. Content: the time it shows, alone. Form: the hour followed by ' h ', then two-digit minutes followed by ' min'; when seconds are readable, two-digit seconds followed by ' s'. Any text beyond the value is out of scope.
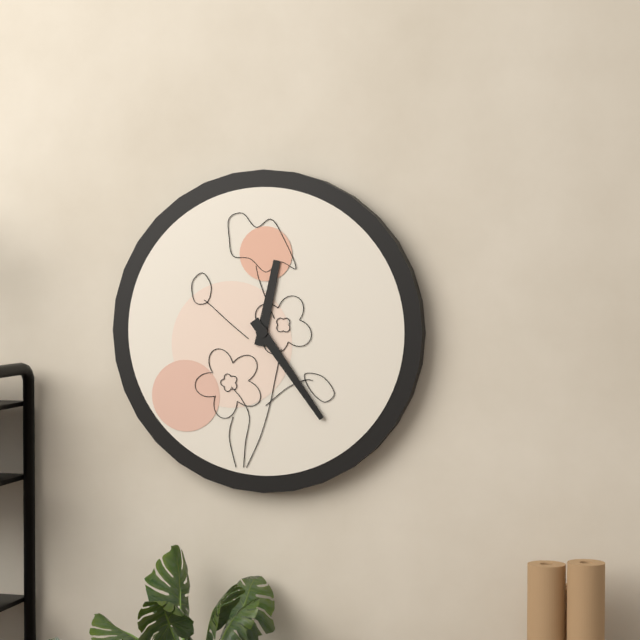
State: 12 h 24 min
